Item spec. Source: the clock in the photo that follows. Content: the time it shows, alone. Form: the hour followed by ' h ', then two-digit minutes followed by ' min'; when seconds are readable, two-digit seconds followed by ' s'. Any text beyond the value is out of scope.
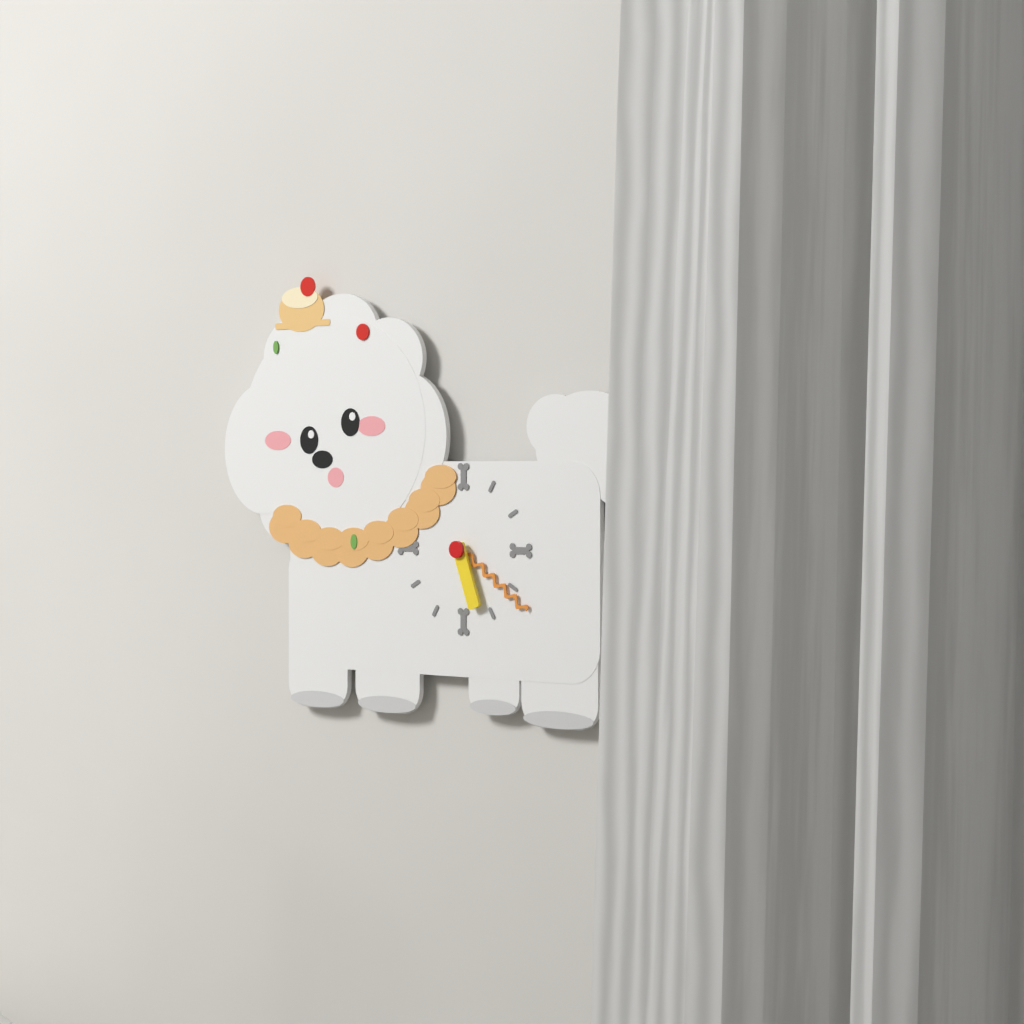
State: 5 h 21 min
